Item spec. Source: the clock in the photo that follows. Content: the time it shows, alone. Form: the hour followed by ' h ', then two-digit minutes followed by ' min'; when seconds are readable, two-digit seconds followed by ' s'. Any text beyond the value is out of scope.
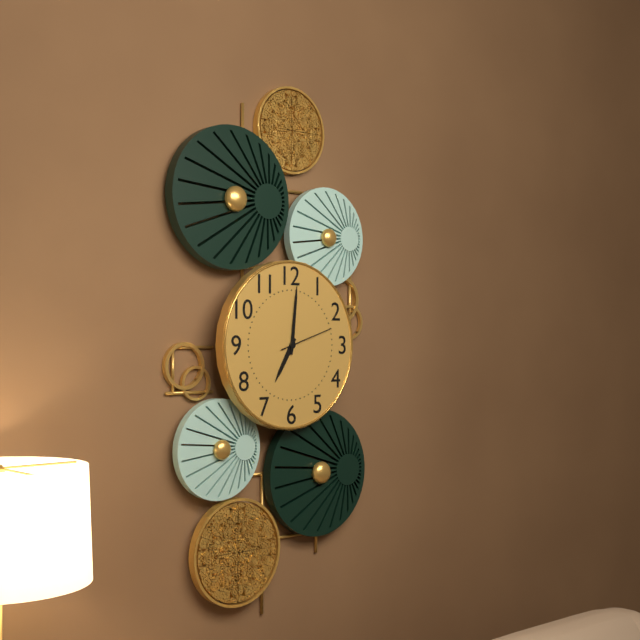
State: 7 h 01 min 12 s
